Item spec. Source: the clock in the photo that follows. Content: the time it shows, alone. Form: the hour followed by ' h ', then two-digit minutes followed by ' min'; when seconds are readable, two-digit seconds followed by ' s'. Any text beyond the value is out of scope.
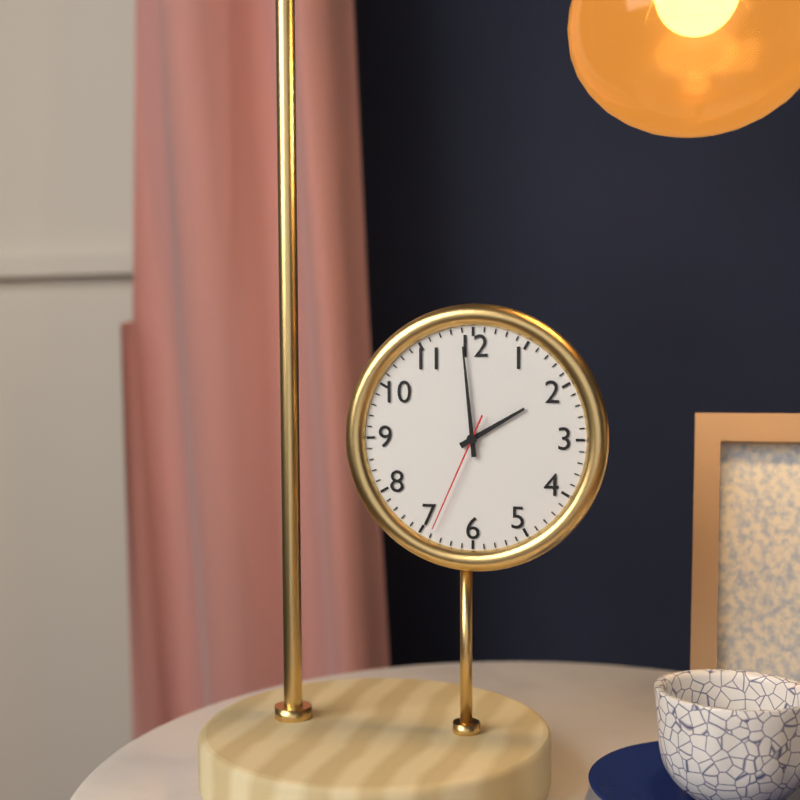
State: 1 h 59 min 34 s
